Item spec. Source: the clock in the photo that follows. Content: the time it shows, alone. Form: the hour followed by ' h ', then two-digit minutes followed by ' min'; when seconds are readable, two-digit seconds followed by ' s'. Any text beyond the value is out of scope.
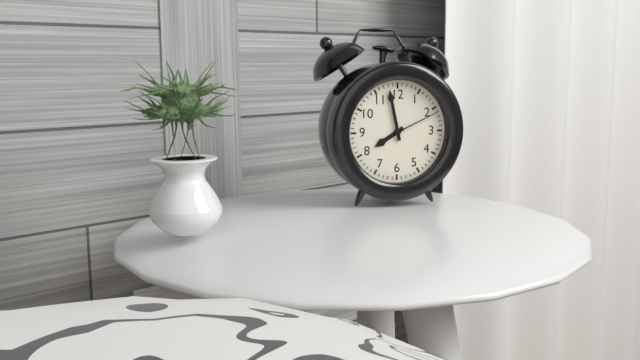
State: 7 h 58 min 11 s
